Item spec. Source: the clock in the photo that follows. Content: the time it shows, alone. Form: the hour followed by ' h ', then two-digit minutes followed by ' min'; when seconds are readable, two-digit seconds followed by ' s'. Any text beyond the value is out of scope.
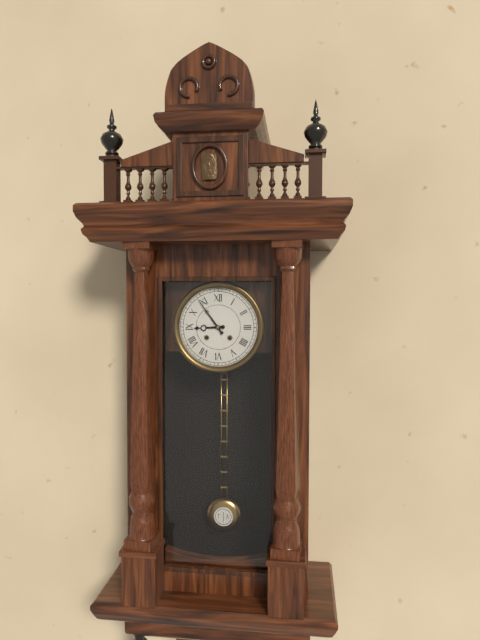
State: 8 h 54 min
